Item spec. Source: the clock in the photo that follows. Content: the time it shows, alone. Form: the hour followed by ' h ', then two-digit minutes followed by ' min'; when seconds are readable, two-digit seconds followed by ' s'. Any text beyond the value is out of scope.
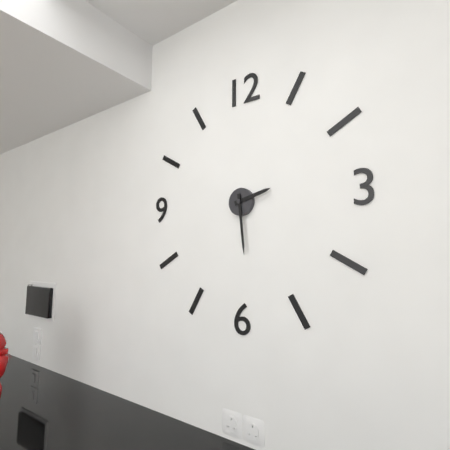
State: 2 h 29 min
